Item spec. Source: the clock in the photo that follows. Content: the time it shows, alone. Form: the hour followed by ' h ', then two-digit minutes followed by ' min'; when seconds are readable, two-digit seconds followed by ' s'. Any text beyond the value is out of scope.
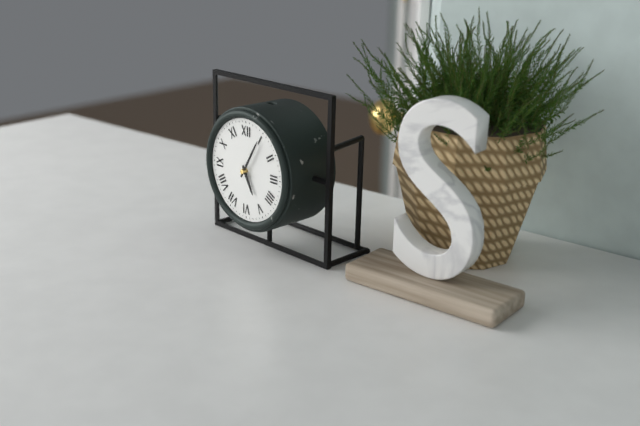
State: 5 h 05 min
